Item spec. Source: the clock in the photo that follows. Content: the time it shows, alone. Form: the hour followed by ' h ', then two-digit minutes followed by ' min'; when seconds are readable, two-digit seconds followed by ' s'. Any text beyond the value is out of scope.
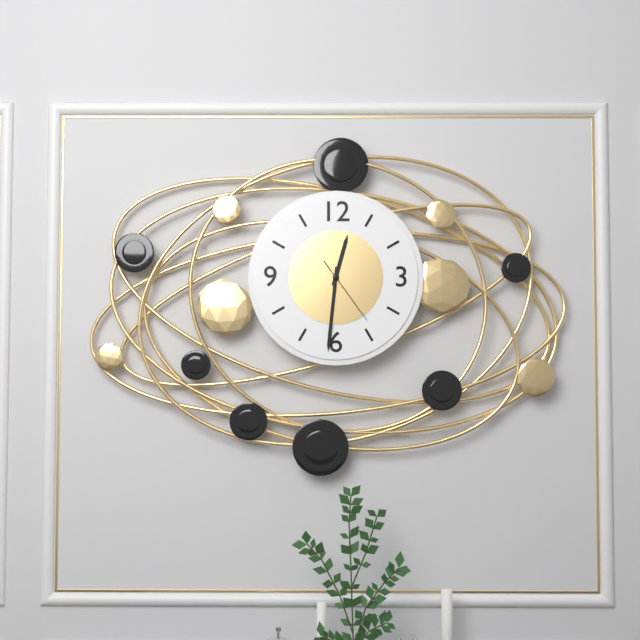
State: 12 h 31 min 24 s
